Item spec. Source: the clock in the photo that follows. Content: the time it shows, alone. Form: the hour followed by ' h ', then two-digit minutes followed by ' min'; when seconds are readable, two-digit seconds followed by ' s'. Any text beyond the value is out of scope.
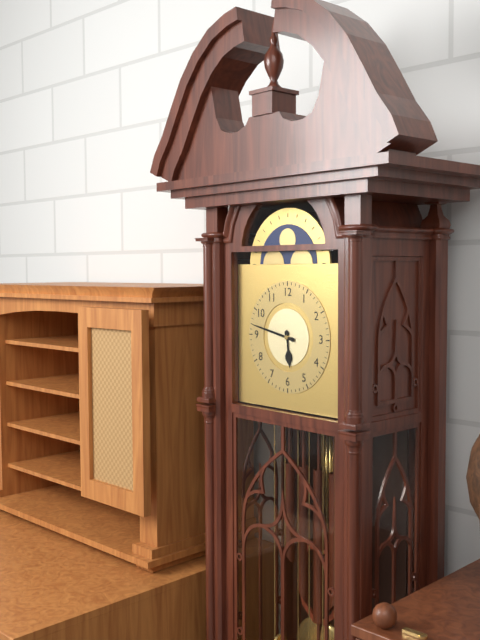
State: 5 h 47 min
